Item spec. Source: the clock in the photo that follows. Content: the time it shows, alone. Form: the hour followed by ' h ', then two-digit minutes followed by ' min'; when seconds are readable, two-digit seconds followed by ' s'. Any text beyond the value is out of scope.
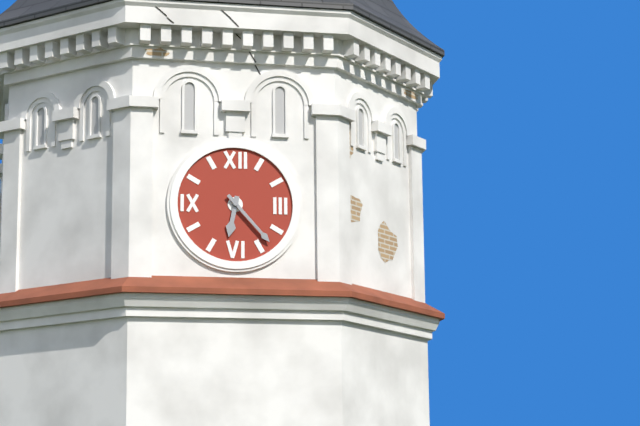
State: 6 h 23 min
